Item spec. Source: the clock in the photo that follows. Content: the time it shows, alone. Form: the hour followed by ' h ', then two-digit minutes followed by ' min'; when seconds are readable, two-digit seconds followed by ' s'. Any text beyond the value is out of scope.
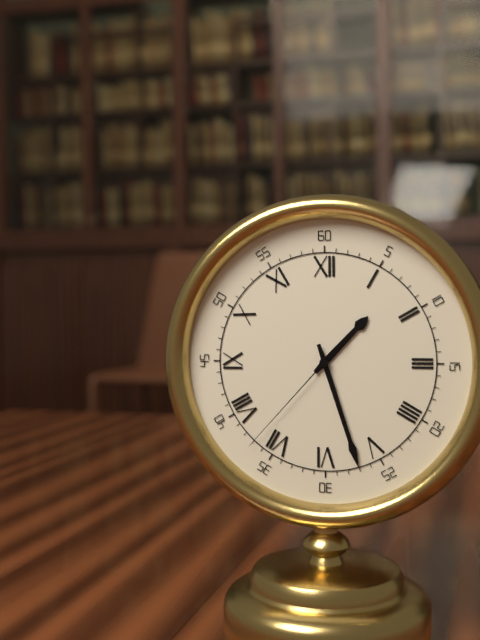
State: 1 h 27 min 37 s
